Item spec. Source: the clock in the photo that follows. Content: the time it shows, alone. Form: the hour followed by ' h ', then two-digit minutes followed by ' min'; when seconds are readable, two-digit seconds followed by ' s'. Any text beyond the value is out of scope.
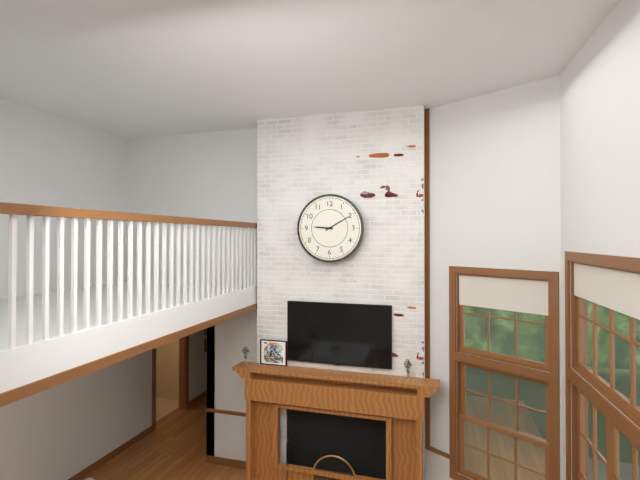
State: 9 h 10 min
